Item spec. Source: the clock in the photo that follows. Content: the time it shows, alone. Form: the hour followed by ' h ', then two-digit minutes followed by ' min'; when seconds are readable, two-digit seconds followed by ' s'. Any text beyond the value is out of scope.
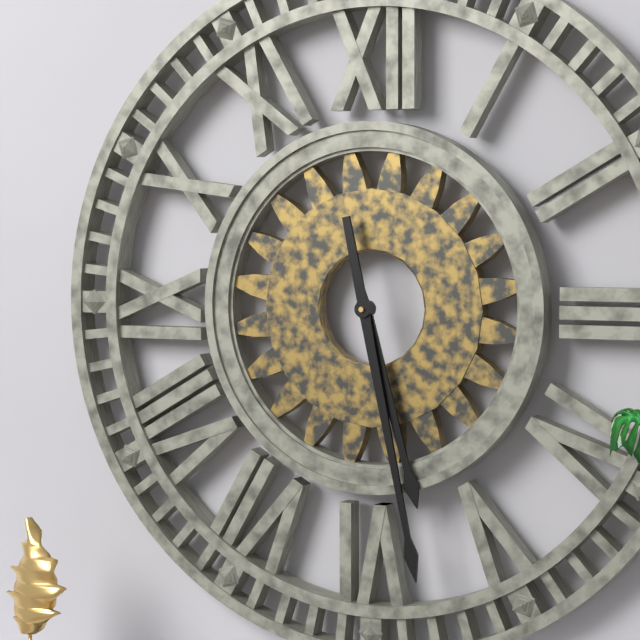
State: 5 h 28 min
